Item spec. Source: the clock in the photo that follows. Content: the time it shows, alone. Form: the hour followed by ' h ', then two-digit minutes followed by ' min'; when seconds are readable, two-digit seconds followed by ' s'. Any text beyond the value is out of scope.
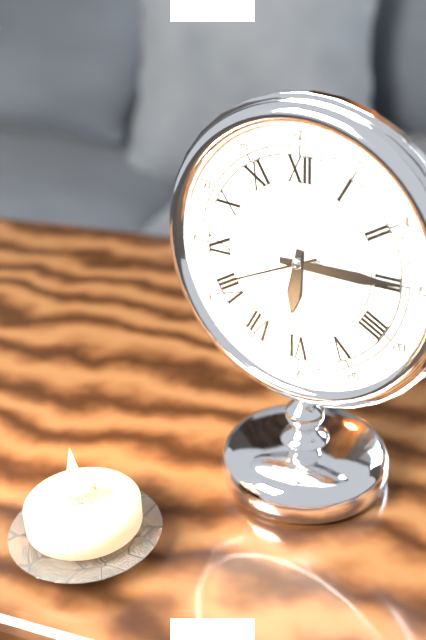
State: 6 h 15 min 41 s
